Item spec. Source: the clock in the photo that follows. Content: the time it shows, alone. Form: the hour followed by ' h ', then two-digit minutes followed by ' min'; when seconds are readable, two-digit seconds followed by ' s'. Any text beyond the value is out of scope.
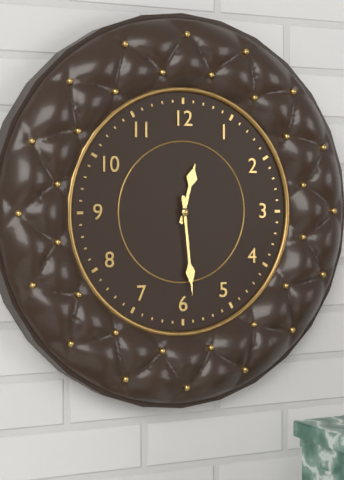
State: 12 h 29 min
